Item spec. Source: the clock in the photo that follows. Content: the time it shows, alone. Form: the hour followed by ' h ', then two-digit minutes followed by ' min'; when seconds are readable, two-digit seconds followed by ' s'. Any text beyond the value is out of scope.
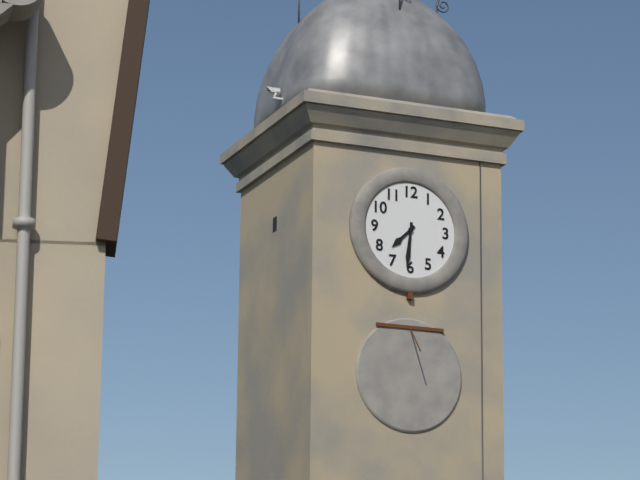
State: 7 h 31 min
